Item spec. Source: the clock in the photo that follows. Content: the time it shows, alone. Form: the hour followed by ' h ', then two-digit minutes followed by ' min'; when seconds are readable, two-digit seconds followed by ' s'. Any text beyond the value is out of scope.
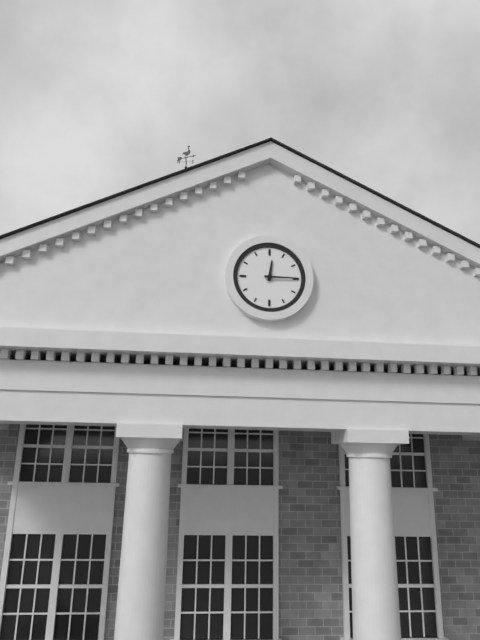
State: 12 h 15 min
